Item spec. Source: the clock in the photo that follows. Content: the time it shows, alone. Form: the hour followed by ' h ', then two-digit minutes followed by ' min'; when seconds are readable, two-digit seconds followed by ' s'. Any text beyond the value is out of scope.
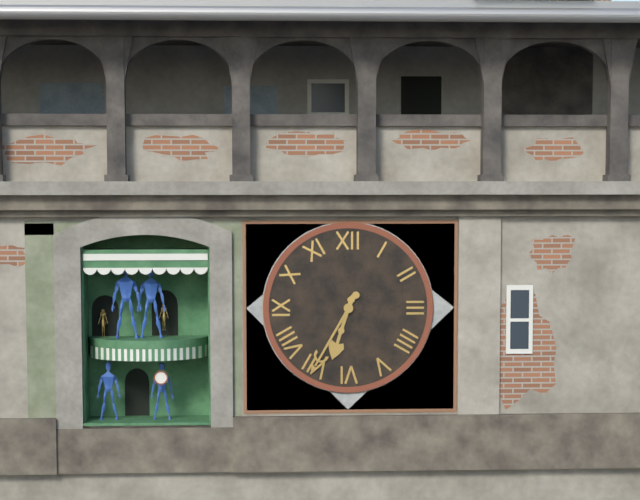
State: 6 h 35 min
